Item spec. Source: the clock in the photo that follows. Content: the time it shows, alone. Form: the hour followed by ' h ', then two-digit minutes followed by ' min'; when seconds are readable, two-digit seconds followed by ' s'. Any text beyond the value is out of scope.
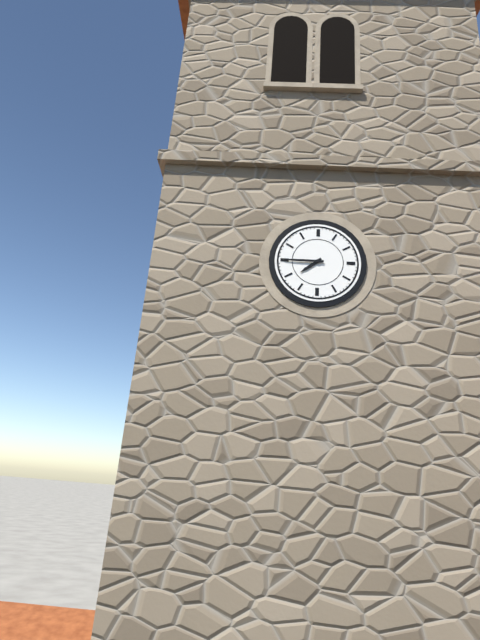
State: 7 h 45 min
